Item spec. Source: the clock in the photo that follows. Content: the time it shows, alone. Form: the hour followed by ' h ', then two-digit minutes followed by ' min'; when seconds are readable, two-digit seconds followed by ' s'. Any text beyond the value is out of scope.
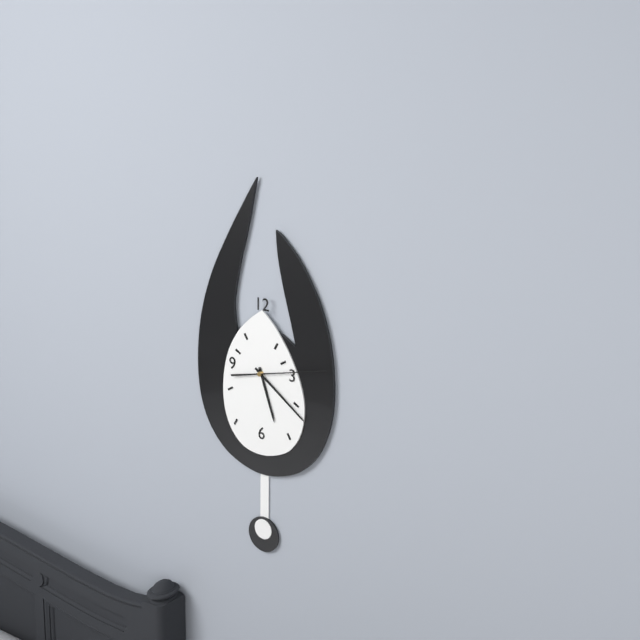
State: 5 h 21 min 13 s
